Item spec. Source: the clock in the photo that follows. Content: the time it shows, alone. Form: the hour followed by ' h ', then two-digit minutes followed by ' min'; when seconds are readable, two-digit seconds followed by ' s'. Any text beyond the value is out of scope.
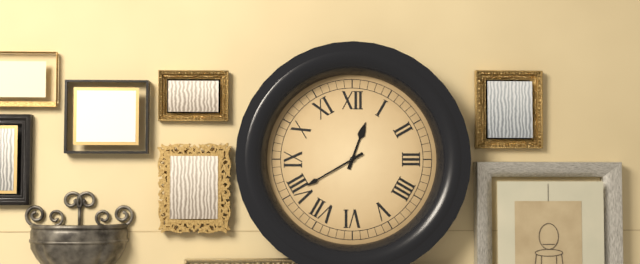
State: 12 h 40 min
